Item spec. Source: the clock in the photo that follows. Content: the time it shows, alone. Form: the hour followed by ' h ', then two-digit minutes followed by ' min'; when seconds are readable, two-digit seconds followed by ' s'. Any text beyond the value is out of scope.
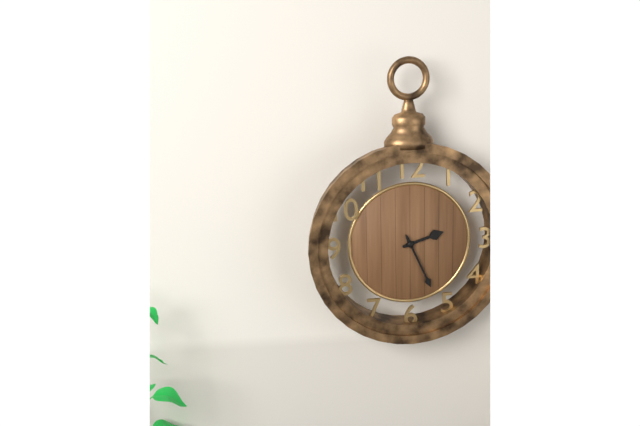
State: 2 h 26 min
